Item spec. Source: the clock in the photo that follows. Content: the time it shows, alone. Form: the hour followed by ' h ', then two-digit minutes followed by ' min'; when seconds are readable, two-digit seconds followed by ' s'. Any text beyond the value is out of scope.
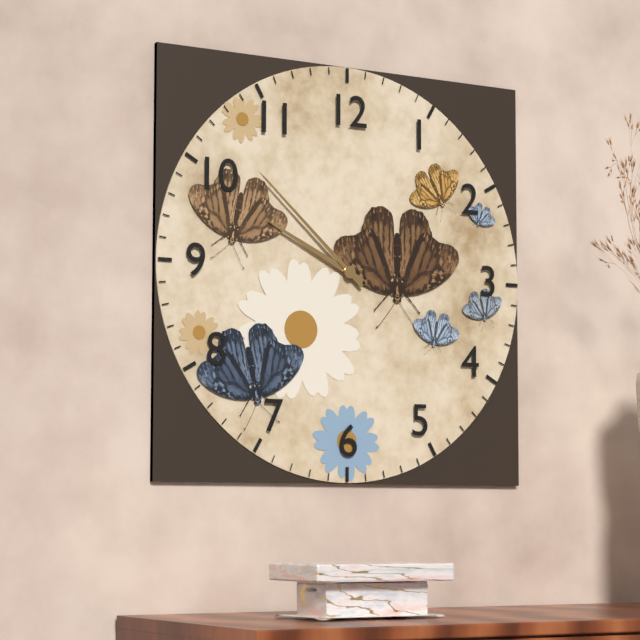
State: 9 h 52 min
